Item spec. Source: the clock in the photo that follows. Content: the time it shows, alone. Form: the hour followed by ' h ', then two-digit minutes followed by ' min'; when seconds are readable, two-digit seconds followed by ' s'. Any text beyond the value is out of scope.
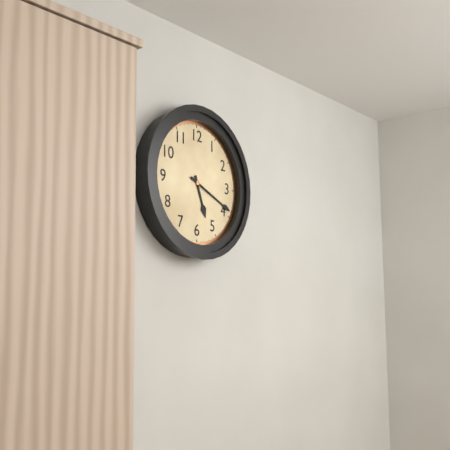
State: 5 h 19 min
